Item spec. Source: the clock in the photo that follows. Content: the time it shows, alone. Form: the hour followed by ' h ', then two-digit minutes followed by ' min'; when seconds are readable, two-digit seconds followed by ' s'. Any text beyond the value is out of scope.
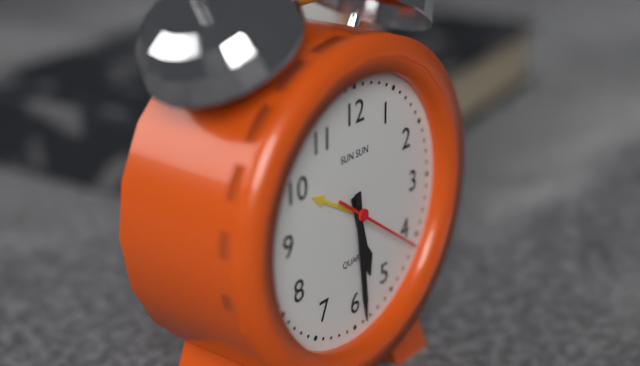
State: 5 h 29 min 21 s
